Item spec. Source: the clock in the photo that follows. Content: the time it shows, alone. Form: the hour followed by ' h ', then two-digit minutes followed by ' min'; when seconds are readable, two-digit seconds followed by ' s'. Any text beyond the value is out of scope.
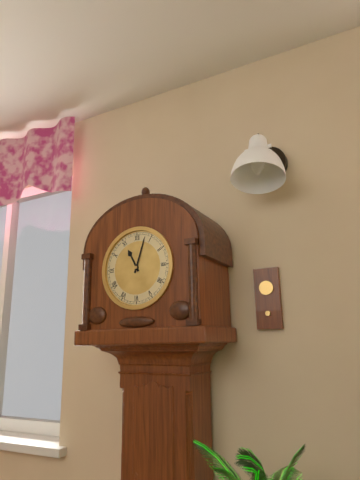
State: 11 h 03 min
